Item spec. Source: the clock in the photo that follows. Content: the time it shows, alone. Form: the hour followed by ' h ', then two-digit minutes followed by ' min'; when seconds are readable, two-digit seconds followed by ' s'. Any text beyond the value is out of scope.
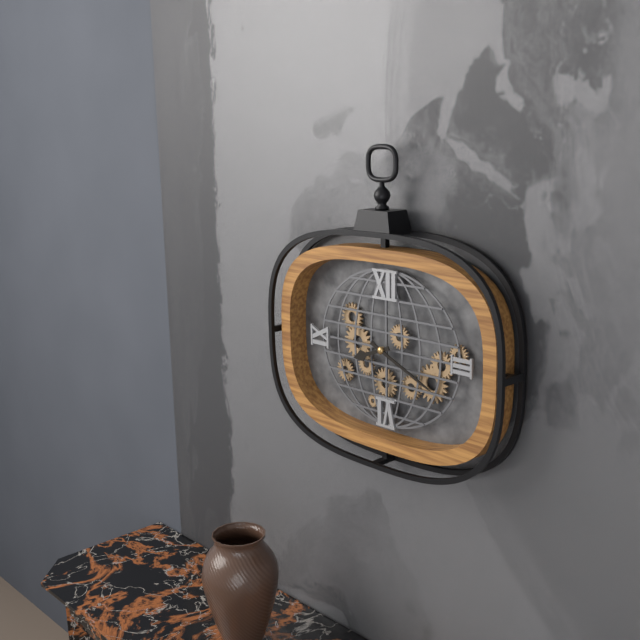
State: 8 h 19 min
